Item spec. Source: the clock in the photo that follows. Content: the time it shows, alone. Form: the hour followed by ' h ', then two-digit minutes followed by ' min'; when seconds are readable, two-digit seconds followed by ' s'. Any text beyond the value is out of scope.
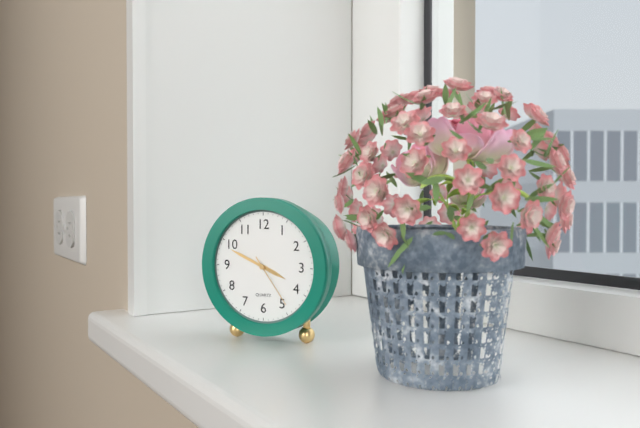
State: 3 h 49 min 24 s
